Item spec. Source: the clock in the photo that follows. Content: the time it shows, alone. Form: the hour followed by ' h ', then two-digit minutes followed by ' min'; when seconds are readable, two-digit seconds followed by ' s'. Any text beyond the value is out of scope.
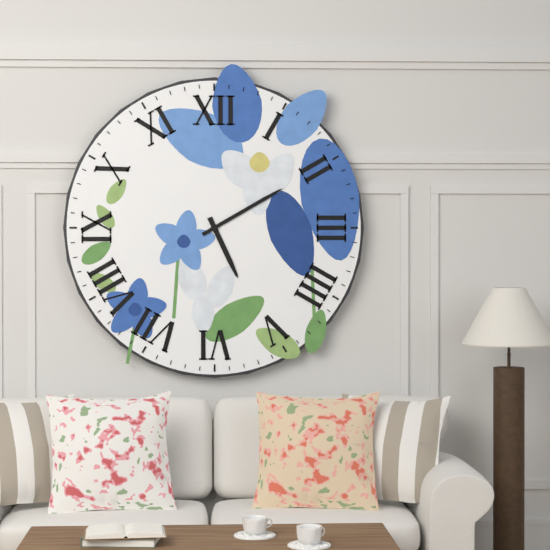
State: 5 h 10 min
